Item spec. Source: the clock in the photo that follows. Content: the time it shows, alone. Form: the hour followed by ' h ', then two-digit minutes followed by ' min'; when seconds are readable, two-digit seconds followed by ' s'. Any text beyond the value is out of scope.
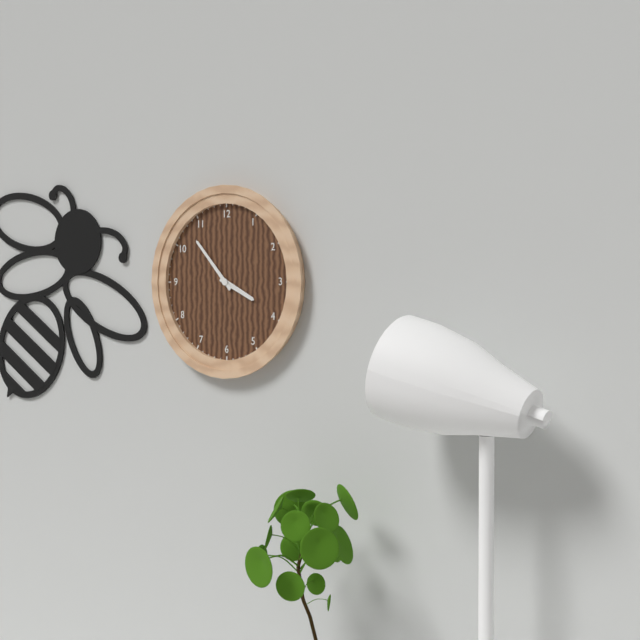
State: 3 h 53 min
